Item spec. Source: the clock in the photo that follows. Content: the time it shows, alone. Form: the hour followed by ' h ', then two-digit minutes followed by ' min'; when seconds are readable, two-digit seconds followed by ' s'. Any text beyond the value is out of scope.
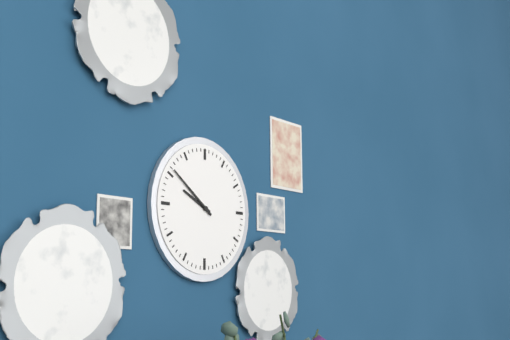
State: 9 h 51 min
